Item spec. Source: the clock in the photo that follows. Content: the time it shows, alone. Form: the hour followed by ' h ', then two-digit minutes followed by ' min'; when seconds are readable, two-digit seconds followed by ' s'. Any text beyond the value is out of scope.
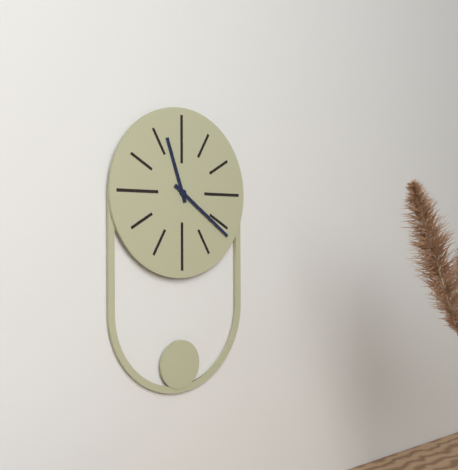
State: 11 h 21 min
